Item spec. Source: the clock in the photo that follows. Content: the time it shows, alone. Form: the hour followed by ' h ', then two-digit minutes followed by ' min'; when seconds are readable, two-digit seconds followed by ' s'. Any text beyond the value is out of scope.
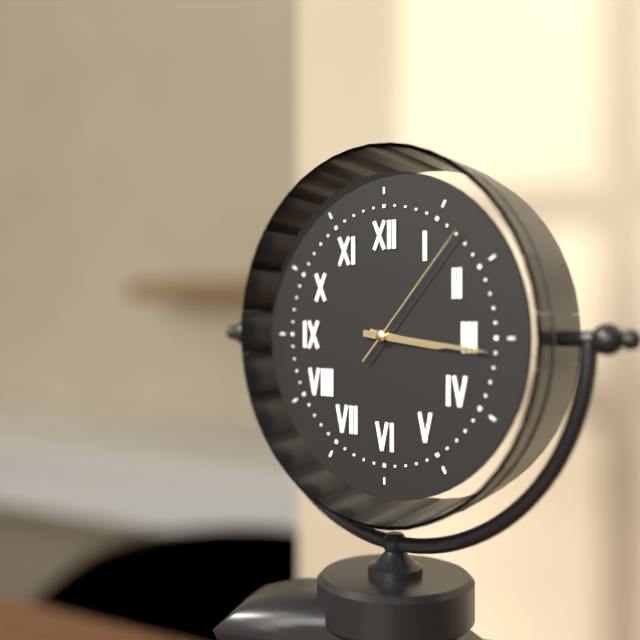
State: 3 h 16 min 07 s
